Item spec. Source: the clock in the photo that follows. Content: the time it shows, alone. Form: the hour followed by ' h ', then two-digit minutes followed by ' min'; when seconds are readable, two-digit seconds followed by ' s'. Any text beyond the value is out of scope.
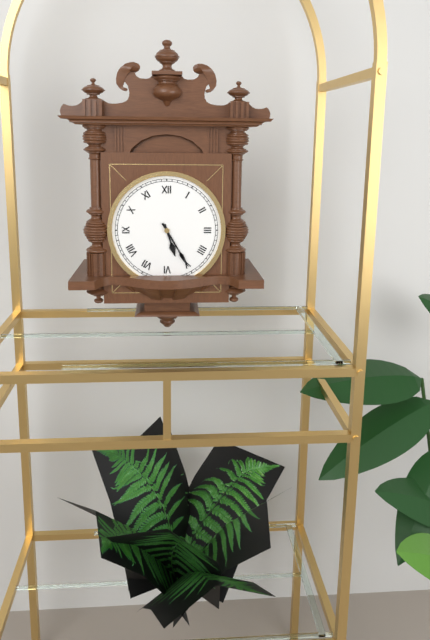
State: 5 h 25 min
